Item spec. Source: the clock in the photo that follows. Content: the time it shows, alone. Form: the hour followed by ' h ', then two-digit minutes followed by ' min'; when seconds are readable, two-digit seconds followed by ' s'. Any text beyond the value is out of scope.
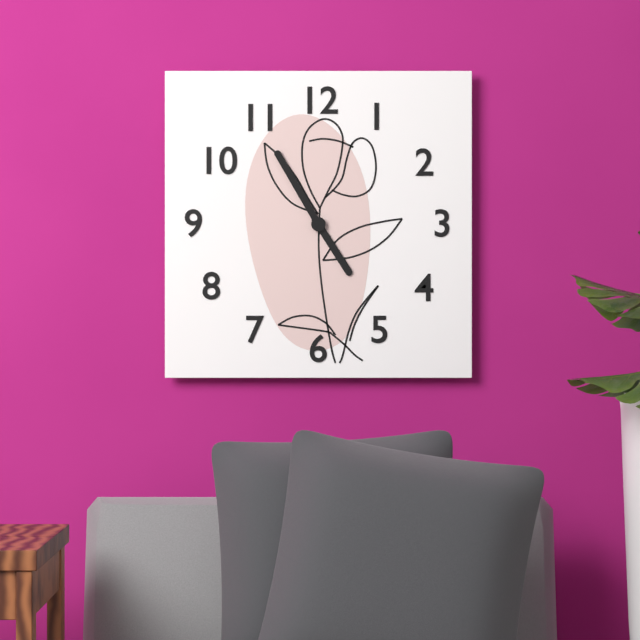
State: 4 h 55 min
